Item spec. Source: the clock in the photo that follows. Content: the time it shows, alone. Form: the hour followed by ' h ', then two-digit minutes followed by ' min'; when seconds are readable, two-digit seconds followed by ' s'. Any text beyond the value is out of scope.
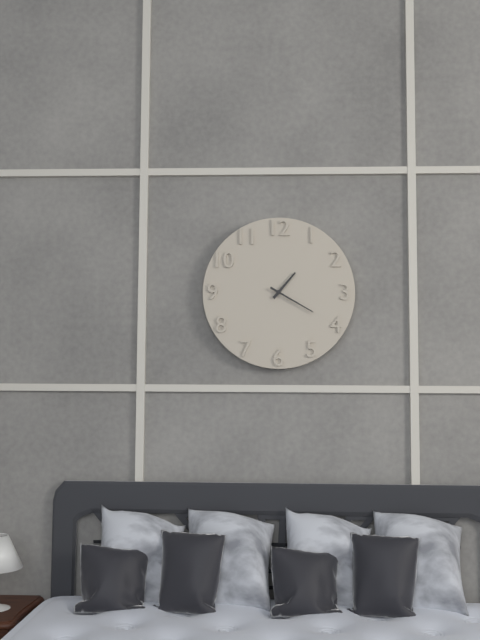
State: 1 h 20 min
